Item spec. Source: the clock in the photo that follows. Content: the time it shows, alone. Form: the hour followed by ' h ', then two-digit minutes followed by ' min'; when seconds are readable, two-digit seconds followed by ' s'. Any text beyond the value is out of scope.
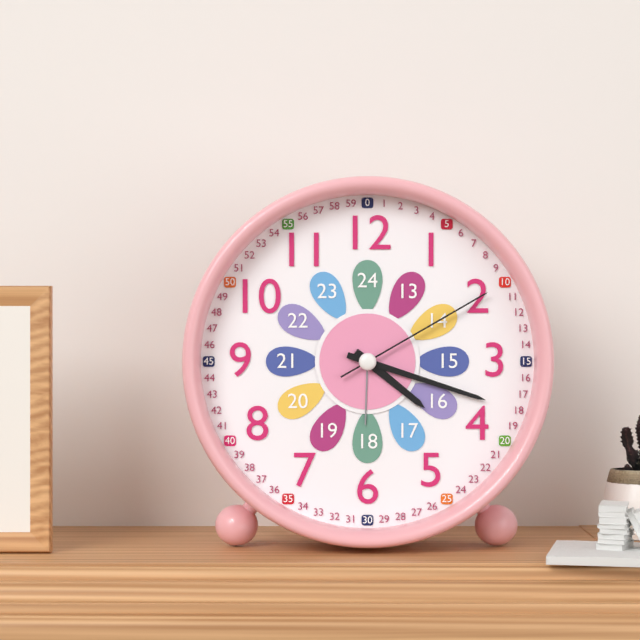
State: 4 h 18 min 10 s
